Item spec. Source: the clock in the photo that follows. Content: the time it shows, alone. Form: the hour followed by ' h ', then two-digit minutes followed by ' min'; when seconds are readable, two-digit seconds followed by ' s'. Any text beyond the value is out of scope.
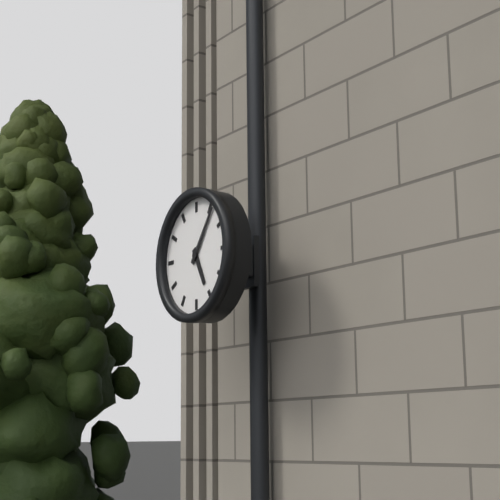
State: 5 h 06 min
